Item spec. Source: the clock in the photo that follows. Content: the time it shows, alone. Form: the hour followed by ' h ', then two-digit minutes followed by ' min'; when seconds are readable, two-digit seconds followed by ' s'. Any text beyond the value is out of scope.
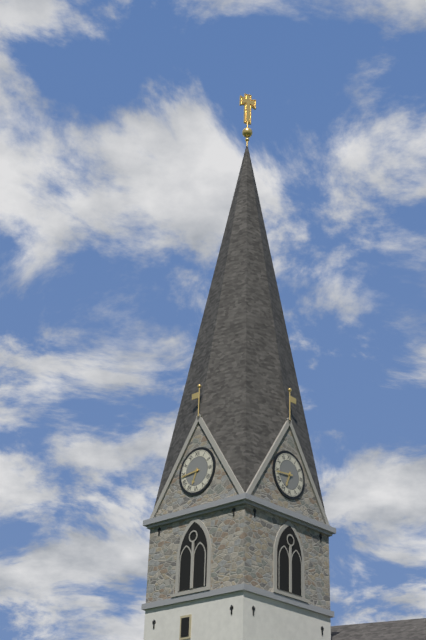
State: 6 h 44 min
